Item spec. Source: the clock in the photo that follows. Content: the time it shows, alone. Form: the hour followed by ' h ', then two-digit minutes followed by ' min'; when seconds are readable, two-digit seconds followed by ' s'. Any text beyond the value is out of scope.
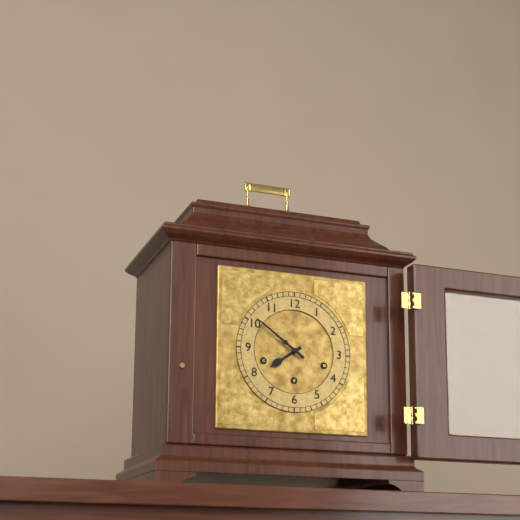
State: 7 h 51 min
